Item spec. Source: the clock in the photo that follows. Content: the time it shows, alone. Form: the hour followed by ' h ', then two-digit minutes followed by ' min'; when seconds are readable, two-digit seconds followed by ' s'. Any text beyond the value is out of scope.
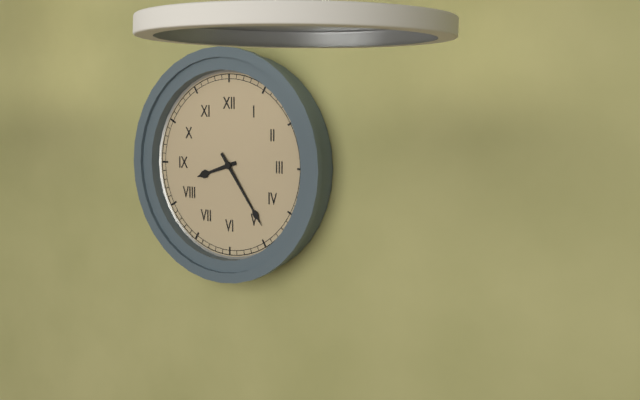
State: 8 h 24 min
